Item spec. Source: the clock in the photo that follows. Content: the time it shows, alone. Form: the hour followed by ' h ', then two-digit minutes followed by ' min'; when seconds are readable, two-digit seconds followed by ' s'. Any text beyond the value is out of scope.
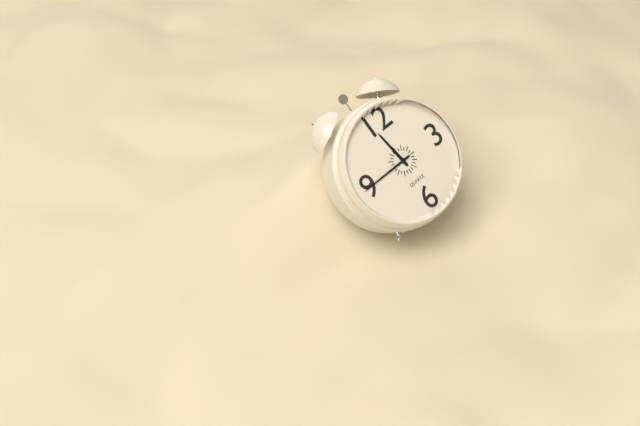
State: 11 h 45 min
